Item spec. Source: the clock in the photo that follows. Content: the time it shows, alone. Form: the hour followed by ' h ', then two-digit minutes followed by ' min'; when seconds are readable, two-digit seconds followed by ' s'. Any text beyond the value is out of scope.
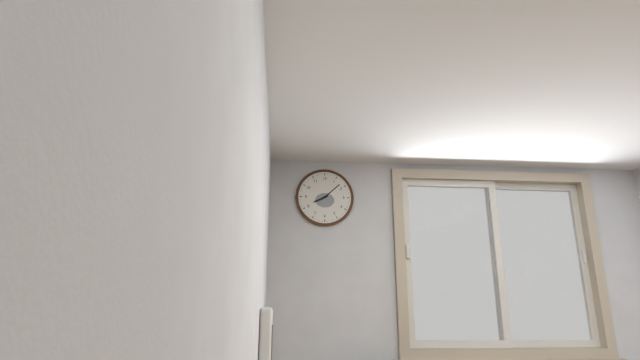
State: 8 h 08 min
